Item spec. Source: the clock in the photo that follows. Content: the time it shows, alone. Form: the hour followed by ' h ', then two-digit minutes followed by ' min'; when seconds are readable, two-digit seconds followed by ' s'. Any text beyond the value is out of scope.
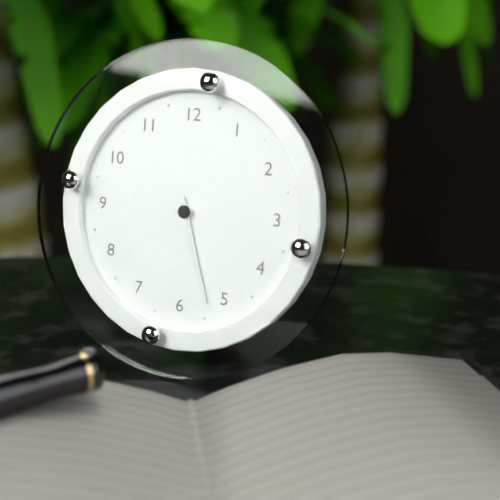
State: 5 h 27 min
